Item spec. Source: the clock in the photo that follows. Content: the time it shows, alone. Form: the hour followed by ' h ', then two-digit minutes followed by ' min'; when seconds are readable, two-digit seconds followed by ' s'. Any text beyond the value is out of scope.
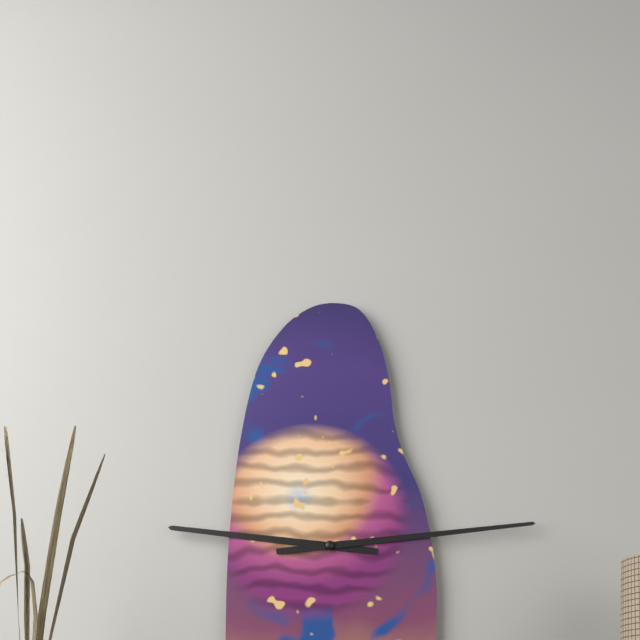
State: 9 h 14 min
